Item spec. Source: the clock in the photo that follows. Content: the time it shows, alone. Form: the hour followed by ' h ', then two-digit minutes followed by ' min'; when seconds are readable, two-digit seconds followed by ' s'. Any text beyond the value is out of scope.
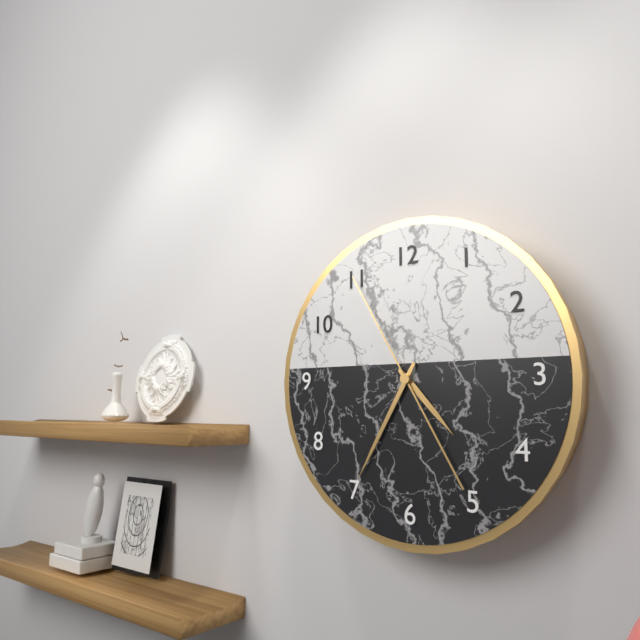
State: 4 h 35 min 55 s
